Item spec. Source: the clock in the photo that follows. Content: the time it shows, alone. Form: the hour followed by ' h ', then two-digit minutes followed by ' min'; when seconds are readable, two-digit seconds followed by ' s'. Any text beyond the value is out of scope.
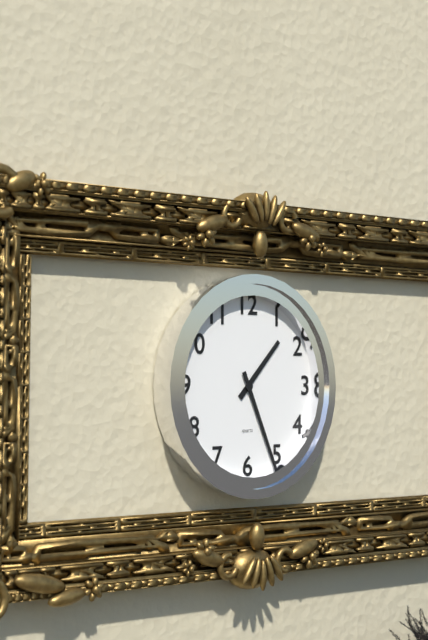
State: 1 h 26 min
